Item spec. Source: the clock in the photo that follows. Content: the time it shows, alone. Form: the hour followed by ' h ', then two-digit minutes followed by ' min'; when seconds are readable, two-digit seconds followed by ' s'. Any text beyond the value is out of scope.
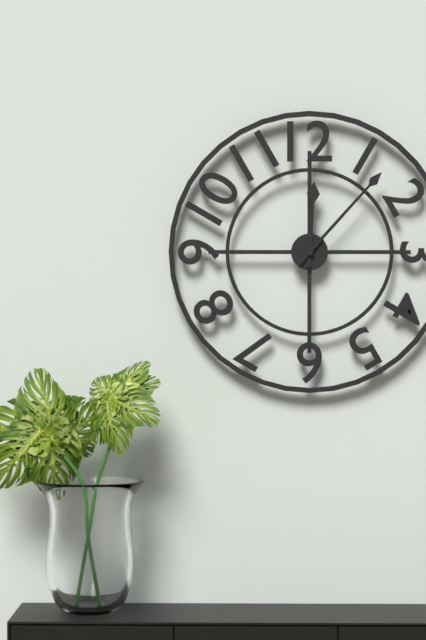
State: 12 h 07 min
